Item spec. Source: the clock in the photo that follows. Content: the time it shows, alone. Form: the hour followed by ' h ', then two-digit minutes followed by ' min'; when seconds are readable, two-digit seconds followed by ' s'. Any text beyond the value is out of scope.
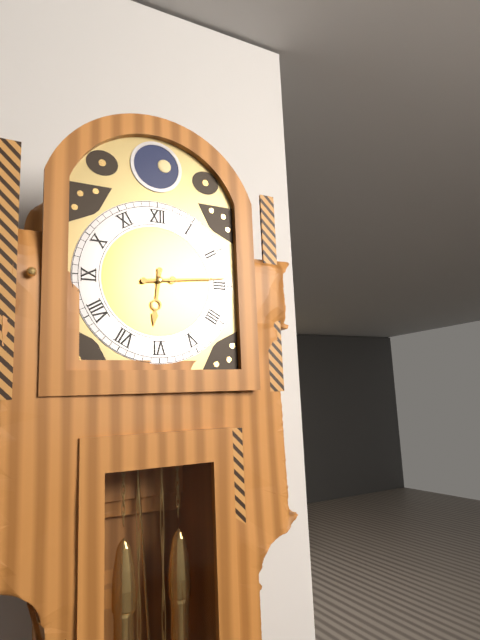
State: 6 h 14 min
